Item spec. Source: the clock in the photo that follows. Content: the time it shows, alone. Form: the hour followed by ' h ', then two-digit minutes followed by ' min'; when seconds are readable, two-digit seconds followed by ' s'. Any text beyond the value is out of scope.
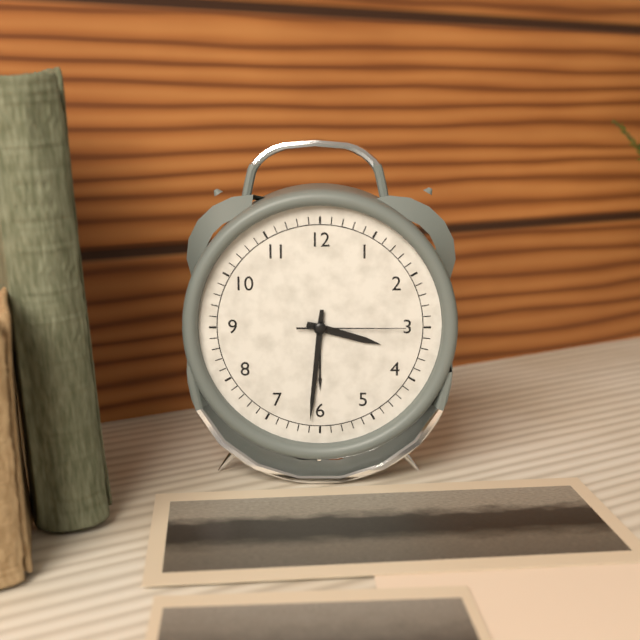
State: 3 h 31 min 15 s
